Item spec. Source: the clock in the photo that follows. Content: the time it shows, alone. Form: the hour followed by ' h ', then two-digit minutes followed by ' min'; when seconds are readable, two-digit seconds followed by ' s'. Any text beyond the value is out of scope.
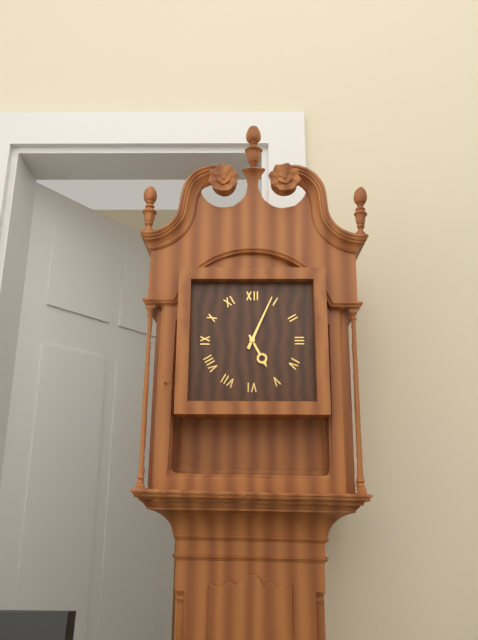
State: 5 h 04 min
